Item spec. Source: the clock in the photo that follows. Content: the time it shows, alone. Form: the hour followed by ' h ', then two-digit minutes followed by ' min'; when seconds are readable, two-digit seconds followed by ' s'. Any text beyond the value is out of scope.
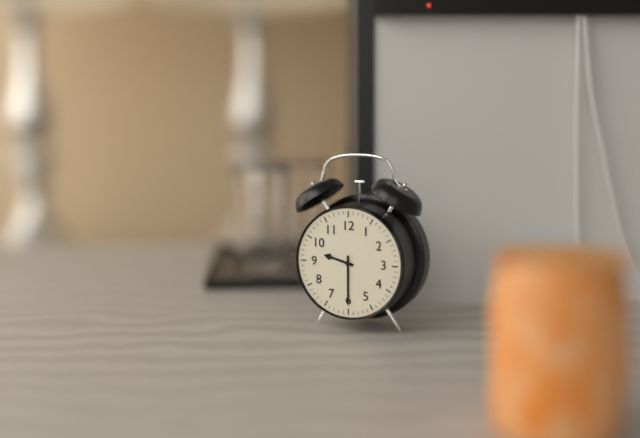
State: 9 h 30 min
